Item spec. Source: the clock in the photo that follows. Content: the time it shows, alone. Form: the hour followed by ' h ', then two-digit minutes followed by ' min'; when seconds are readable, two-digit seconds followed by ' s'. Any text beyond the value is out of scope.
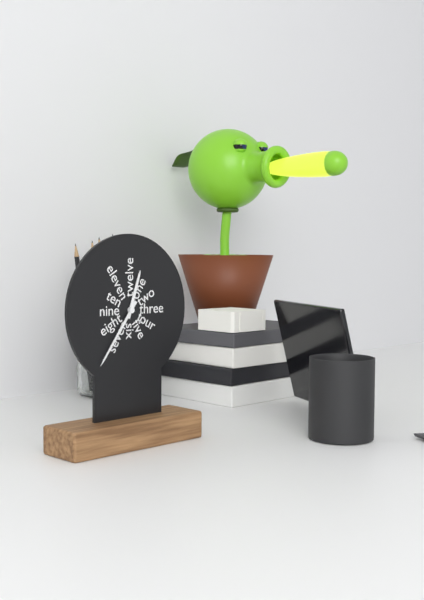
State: 12 h 36 min
